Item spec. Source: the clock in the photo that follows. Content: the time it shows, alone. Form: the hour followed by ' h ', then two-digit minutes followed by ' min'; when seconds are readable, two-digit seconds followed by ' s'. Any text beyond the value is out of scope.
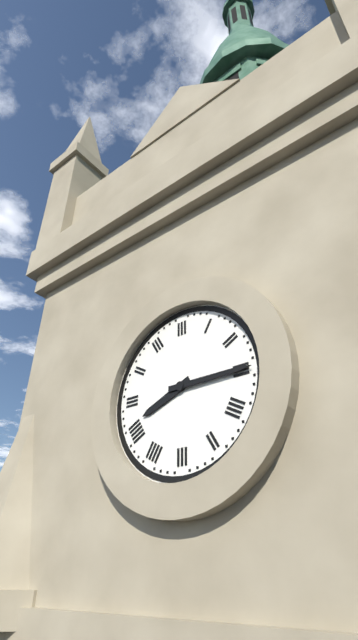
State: 8 h 15 min
